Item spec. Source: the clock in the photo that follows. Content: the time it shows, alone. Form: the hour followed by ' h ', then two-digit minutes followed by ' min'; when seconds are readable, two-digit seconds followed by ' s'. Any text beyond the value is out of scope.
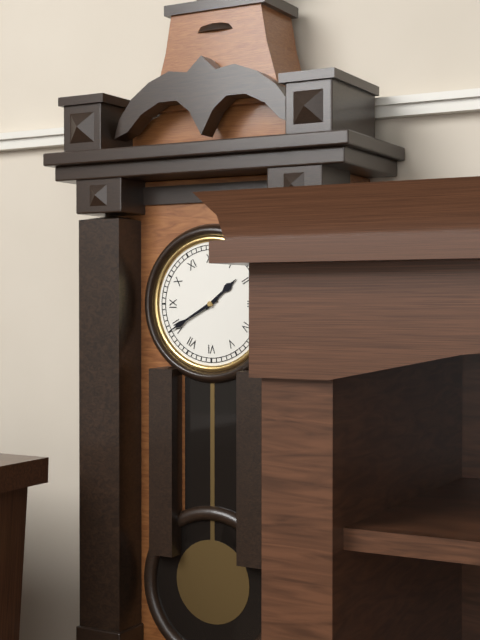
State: 1 h 40 min
